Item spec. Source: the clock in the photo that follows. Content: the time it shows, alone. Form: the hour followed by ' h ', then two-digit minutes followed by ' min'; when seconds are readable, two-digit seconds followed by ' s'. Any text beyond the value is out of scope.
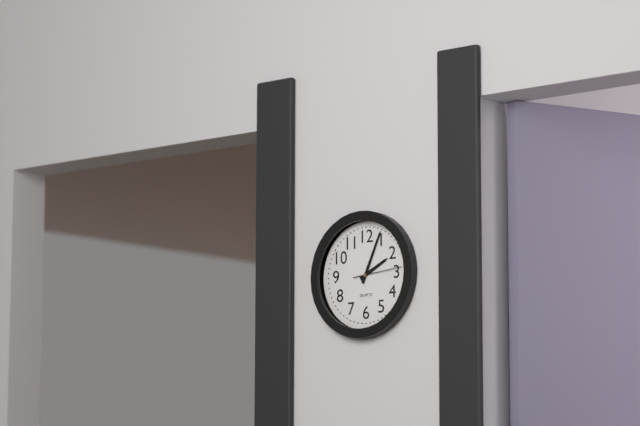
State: 2 h 04 min
